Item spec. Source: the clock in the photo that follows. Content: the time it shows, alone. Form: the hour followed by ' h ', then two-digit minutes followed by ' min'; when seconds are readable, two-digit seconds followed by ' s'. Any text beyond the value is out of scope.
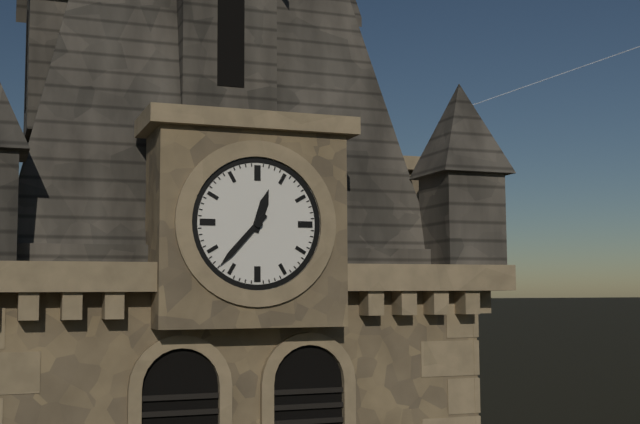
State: 12 h 37 min
